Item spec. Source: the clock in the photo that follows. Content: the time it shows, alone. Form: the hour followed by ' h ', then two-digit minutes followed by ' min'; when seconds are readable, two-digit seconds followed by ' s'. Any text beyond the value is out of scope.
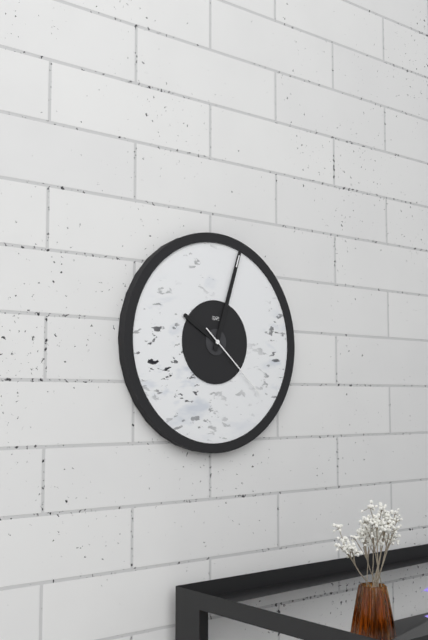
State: 10 h 03 min 22 s
